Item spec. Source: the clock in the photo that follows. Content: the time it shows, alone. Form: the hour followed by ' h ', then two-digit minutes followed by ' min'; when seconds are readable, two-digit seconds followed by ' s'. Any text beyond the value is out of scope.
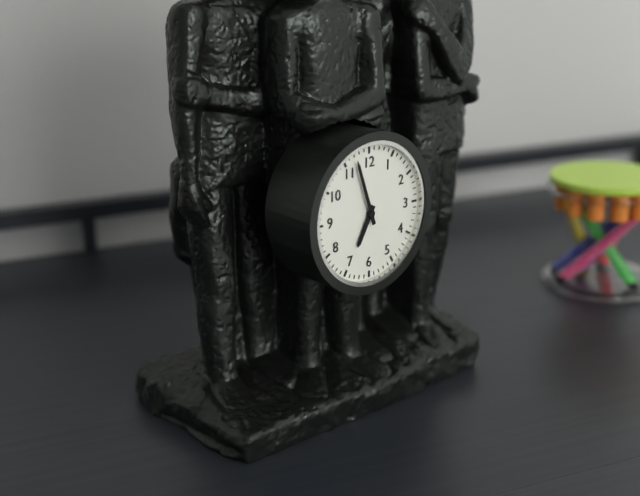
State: 6 h 57 min
